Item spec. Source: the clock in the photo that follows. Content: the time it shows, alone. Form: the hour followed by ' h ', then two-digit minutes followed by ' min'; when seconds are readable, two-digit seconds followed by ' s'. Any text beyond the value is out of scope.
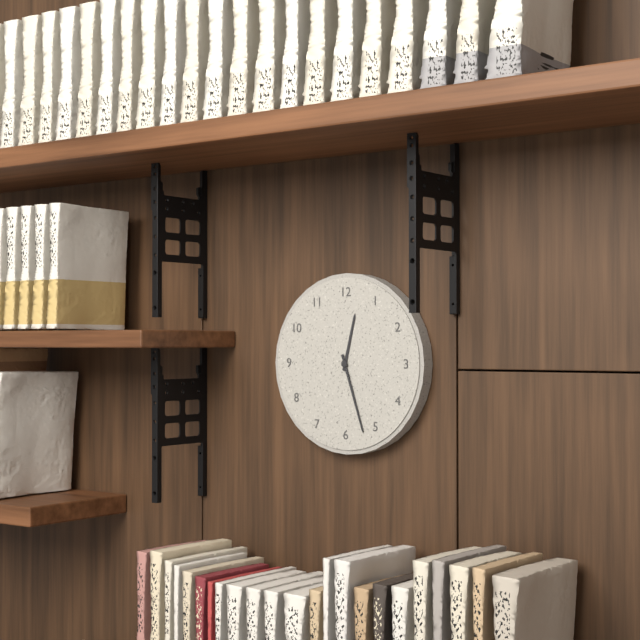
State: 12 h 27 min
